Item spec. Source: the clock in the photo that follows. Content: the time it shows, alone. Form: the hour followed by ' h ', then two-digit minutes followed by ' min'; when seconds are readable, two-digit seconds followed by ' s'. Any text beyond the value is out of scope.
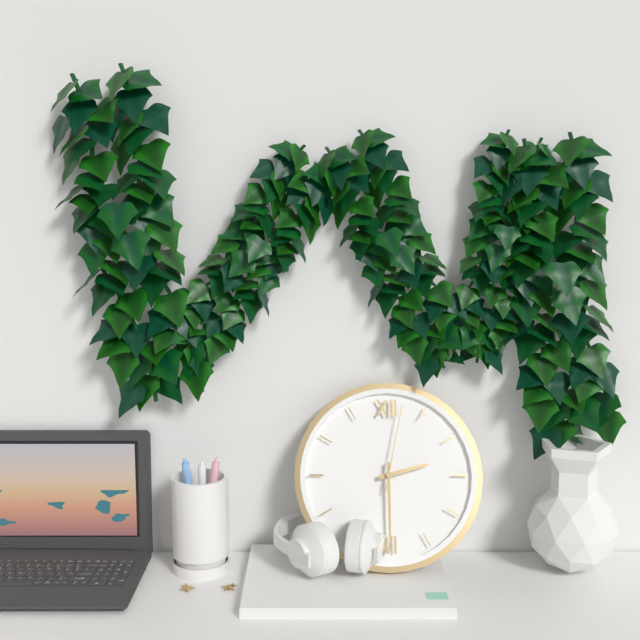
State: 2 h 30 min 02 s
